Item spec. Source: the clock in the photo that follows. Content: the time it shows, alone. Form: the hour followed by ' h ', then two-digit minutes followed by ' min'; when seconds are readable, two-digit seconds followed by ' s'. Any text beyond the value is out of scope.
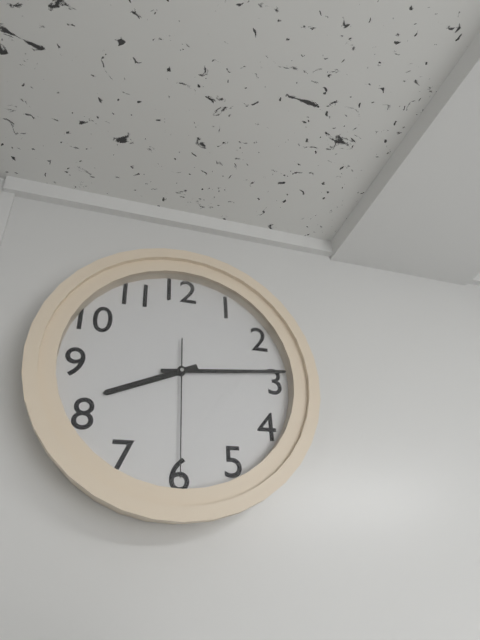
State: 8 h 14 min 30 s
